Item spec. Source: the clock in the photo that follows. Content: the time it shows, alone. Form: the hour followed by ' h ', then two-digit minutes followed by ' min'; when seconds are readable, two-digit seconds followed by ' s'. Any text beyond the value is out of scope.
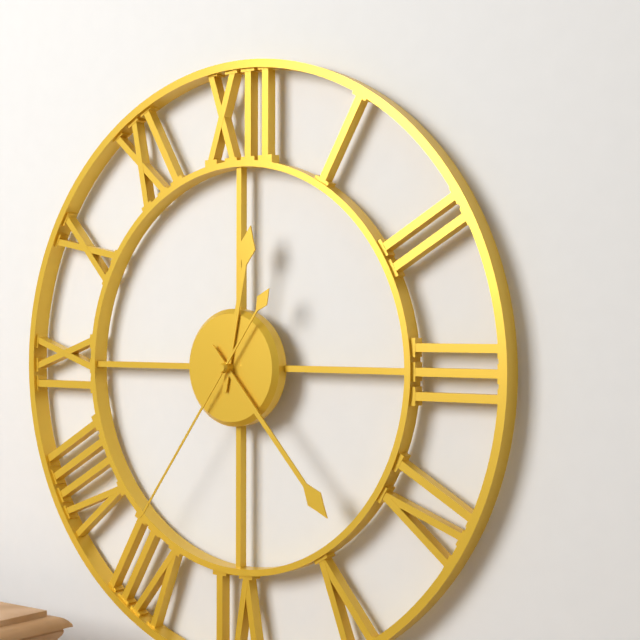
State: 12 h 23 min 36 s
